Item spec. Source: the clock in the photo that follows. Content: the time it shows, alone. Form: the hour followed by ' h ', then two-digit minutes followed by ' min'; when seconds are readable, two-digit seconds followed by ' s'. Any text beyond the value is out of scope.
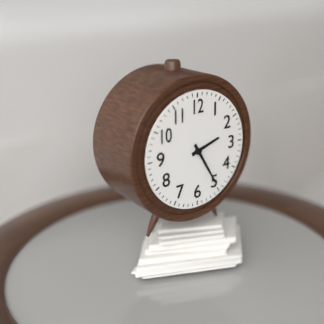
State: 2 h 25 min
